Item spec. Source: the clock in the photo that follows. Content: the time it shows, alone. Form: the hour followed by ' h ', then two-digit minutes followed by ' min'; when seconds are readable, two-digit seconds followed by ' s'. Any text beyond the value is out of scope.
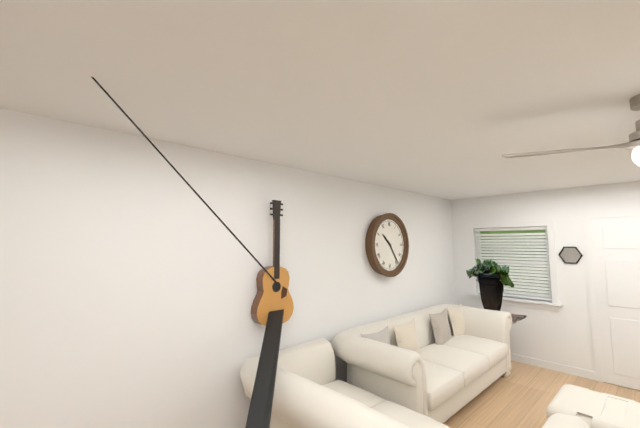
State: 10 h 24 min
